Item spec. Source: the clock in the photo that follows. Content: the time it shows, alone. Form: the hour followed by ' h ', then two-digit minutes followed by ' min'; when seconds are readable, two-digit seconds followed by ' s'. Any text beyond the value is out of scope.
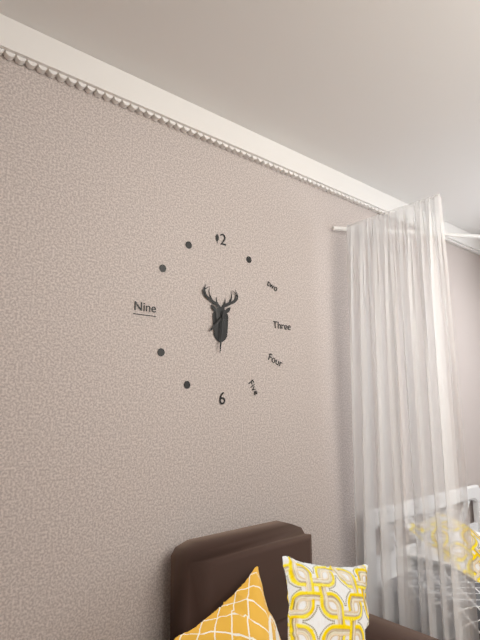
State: 7 h 31 min
